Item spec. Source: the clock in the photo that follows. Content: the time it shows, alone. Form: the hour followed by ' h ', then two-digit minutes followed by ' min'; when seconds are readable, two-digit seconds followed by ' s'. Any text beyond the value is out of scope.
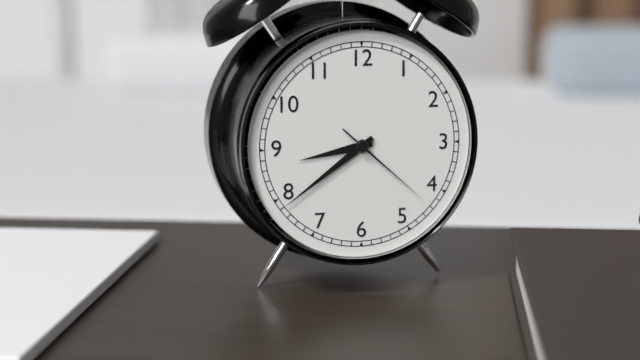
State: 8 h 39 min 22 s
